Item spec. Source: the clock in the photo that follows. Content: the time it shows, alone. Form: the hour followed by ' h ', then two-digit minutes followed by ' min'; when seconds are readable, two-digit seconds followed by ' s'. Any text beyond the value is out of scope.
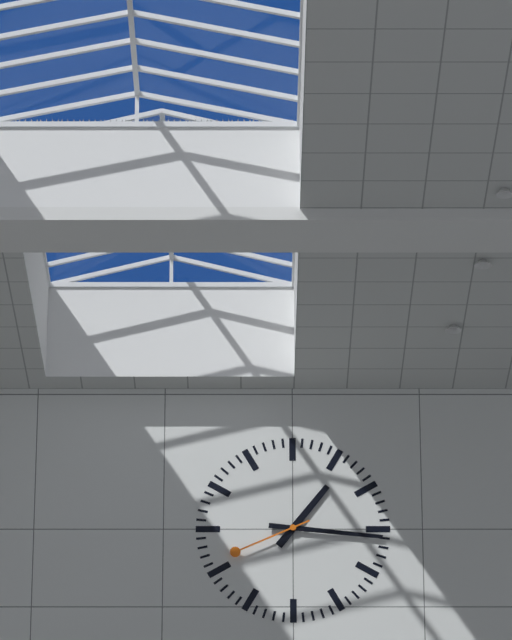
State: 1 h 16 min 41 s
